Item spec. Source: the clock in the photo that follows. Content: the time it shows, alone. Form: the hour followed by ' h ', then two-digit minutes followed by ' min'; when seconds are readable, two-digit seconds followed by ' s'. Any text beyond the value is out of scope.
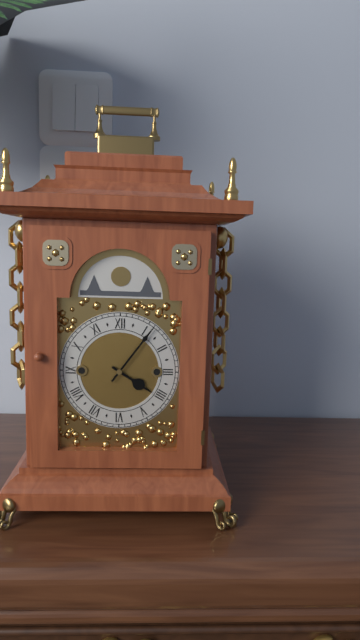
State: 4 h 06 min
